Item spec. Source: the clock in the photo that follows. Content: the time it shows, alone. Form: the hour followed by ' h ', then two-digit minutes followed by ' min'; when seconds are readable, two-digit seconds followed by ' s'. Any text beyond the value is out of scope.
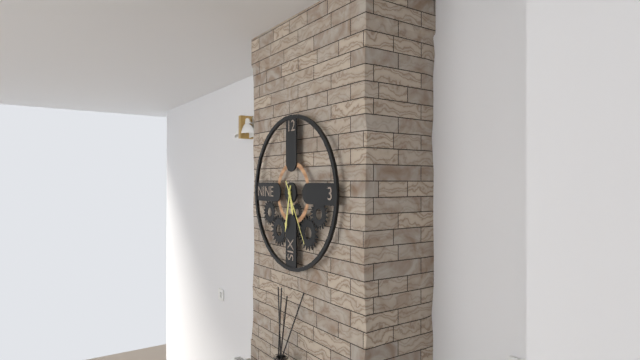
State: 5 h 32 min 25 s
